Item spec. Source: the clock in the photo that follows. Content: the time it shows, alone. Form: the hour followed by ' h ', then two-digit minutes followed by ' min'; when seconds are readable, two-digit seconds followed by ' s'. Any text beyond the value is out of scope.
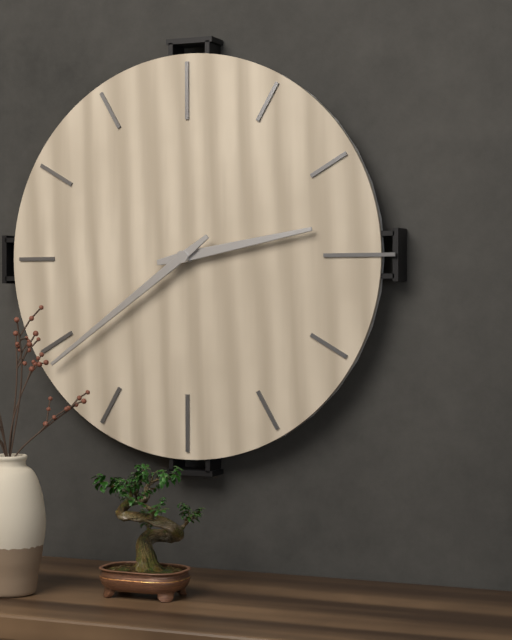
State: 2 h 39 min
